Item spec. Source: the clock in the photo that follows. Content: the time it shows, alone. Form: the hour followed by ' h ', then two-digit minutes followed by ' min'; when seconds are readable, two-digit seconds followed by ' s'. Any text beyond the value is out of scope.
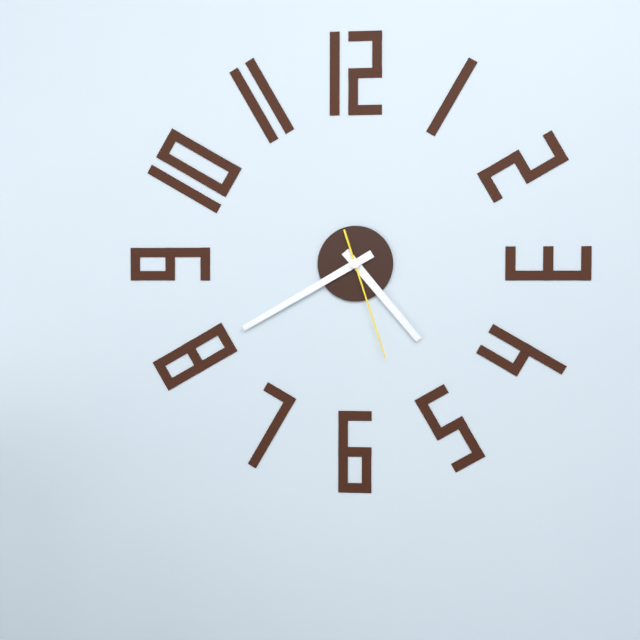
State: 4 h 40 min 27 s
